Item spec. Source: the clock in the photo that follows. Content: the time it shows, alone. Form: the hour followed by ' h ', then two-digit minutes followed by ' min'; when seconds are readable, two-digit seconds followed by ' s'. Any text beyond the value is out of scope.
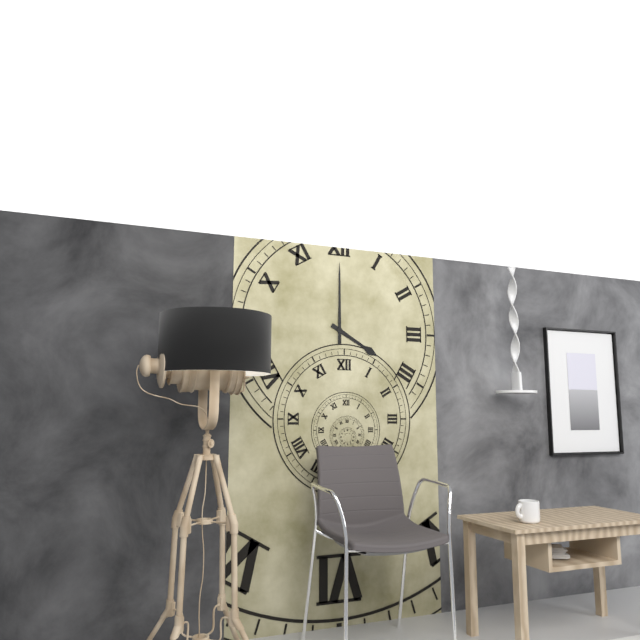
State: 4 h 00 min
